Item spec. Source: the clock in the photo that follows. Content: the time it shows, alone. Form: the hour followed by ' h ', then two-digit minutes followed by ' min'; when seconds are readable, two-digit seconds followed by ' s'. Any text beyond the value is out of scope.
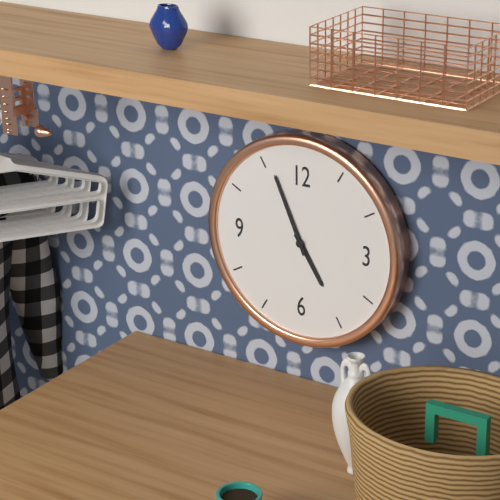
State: 4 h 56 min
